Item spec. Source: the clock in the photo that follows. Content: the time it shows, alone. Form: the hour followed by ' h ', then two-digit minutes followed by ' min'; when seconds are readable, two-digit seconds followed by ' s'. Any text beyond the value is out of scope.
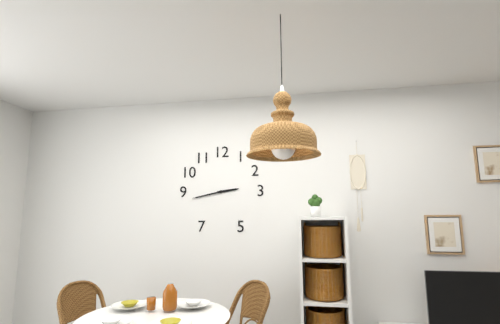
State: 2 h 43 min
